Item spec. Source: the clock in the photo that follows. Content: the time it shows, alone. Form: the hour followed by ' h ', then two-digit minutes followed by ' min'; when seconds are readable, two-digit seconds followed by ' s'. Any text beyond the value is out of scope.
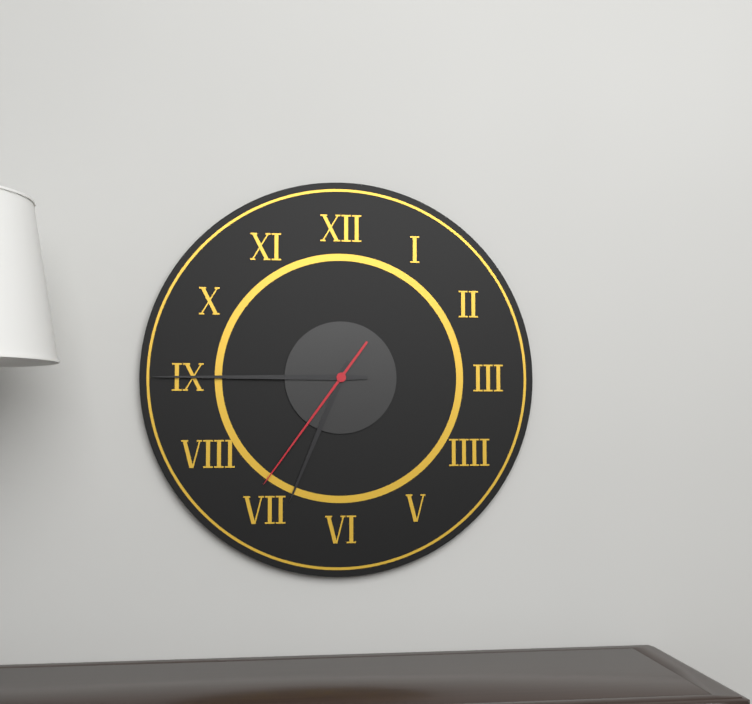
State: 6 h 45 min 36 s
